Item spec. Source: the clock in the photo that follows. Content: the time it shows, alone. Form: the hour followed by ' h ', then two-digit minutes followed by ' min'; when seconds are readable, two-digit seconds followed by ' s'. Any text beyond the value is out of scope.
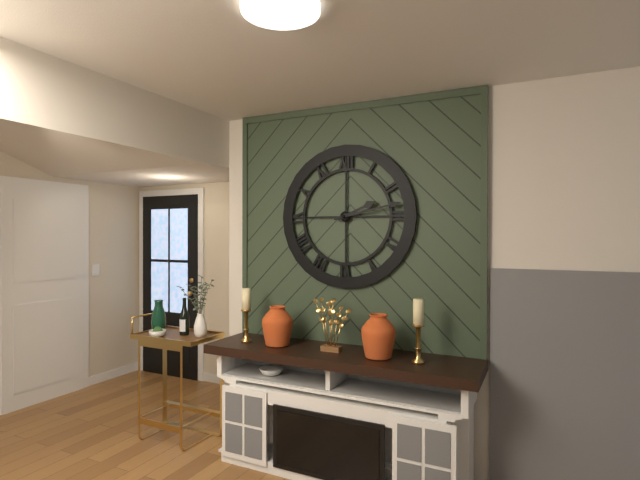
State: 2 h 13 min
